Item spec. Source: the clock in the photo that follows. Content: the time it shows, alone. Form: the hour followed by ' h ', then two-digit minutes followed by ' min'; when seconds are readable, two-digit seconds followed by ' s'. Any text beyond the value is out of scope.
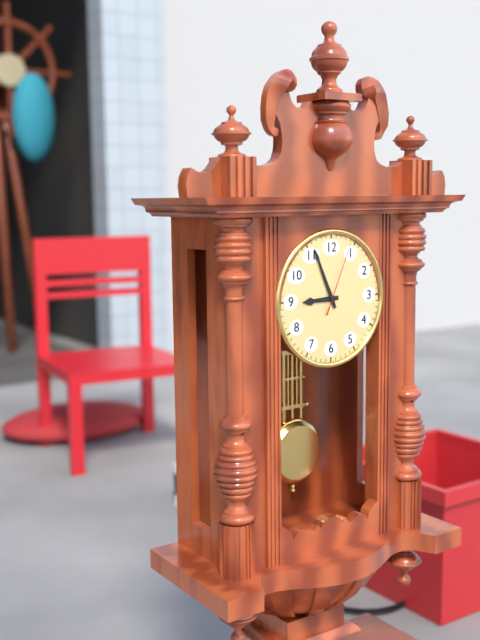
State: 8 h 56 min 04 s
